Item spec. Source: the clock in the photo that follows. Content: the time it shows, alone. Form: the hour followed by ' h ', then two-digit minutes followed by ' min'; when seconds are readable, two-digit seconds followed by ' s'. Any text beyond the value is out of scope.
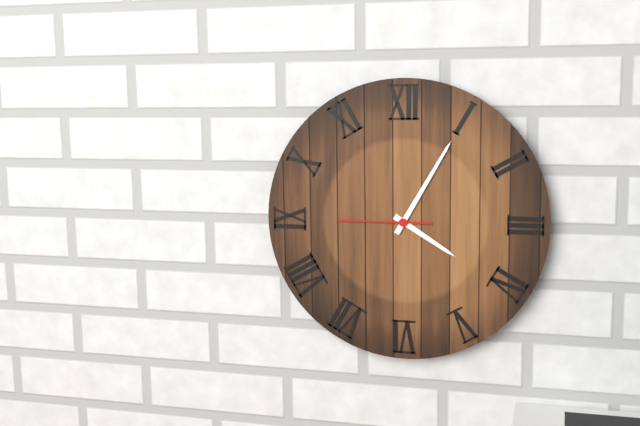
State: 4 h 05 min 45 s
